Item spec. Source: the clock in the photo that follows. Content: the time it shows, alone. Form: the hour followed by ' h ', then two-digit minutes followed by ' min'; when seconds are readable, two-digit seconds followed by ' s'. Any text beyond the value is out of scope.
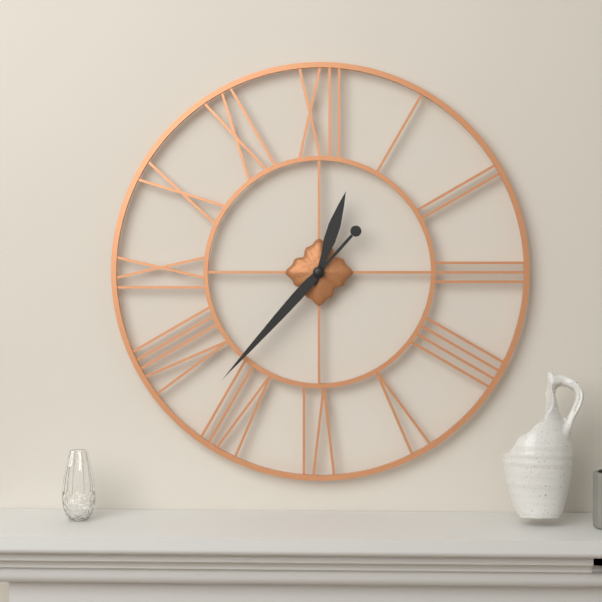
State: 12 h 37 min
